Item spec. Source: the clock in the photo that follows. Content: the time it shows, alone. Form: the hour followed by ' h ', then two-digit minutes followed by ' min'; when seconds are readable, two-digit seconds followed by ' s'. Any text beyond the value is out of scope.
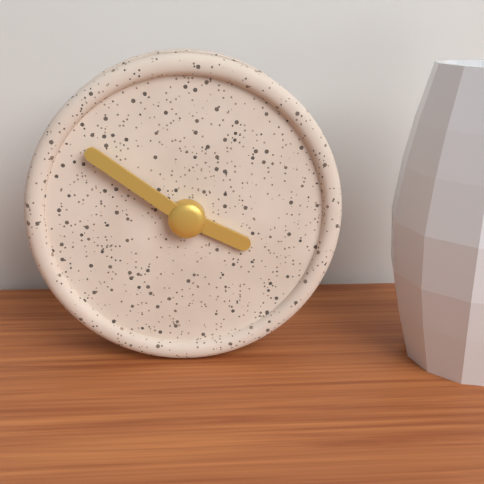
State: 3 h 51 min
